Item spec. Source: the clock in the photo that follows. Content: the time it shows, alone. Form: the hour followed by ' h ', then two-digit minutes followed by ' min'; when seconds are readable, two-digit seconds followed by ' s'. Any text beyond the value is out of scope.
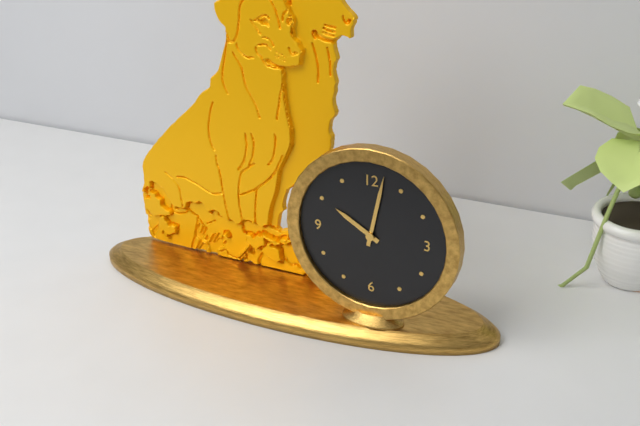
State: 10 h 02 min
